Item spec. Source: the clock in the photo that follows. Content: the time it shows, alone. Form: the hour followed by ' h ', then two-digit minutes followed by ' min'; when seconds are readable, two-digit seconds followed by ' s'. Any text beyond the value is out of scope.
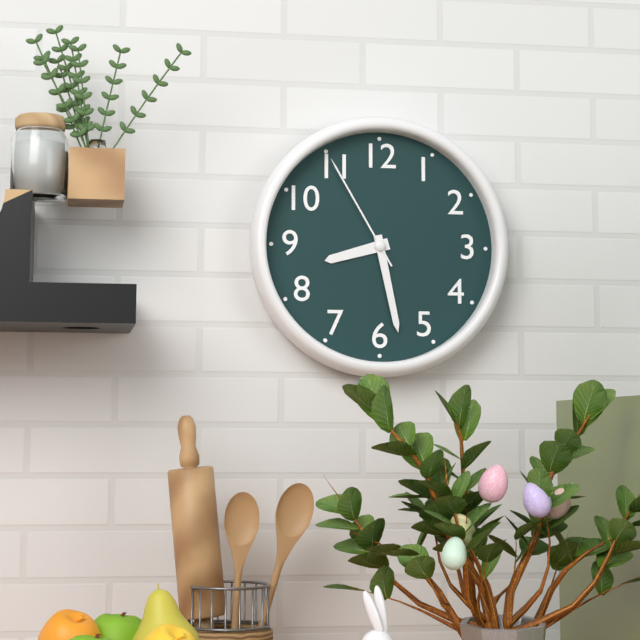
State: 8 h 28 min 55 s
